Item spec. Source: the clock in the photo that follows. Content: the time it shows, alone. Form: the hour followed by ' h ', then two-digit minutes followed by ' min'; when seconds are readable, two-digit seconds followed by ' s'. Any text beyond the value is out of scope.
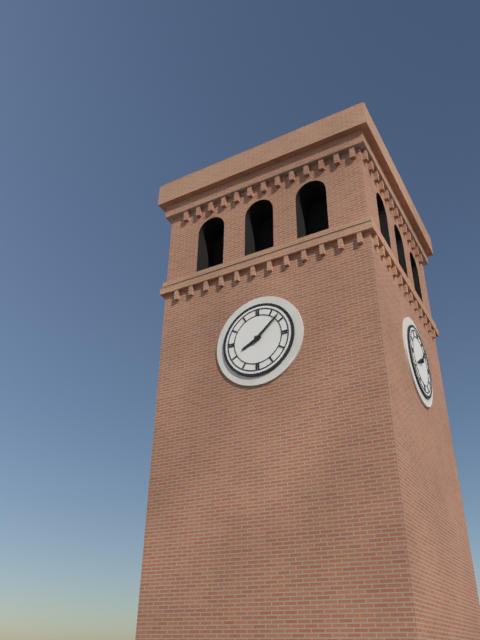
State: 8 h 08 min
